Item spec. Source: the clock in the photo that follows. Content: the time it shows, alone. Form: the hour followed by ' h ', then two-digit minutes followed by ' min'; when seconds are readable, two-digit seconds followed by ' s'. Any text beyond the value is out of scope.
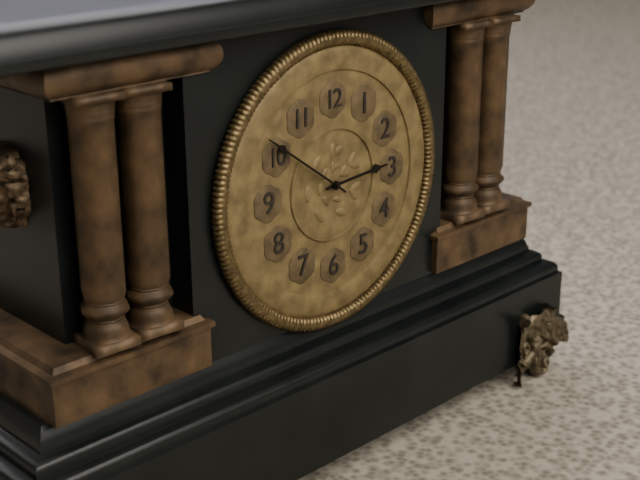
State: 2 h 51 min
